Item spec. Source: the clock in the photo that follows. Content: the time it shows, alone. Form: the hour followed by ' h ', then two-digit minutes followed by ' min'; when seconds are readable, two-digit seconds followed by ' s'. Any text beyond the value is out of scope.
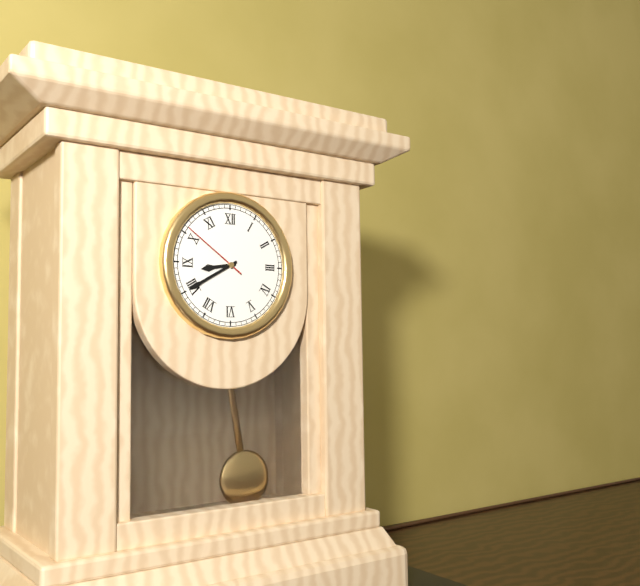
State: 8 h 40 min 51 s
